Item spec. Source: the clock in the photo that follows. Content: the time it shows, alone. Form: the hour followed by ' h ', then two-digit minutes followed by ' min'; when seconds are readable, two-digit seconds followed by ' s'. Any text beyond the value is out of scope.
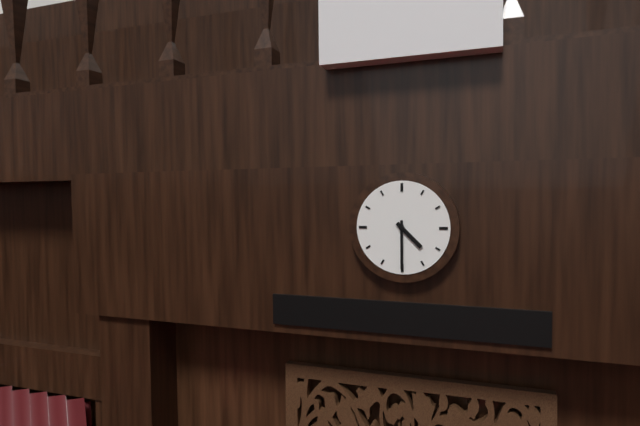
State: 4 h 30 min
